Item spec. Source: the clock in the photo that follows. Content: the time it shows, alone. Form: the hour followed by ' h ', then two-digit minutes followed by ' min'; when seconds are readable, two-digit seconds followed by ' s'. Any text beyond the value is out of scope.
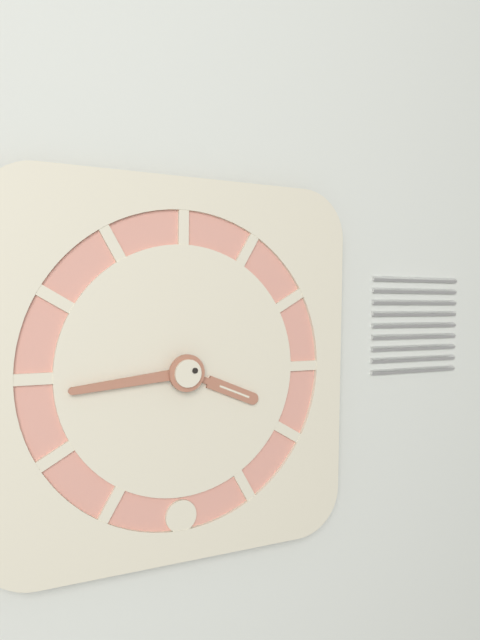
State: 3 h 44 min
